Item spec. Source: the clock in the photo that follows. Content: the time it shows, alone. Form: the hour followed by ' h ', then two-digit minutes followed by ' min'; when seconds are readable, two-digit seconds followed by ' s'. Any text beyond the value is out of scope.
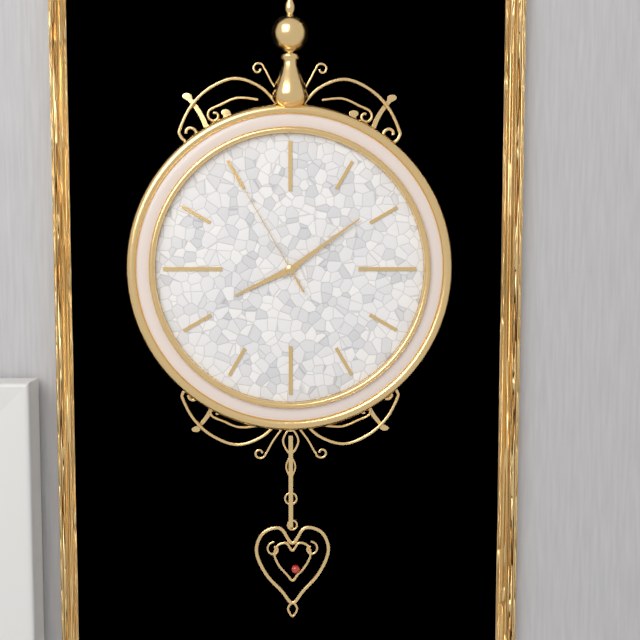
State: 8 h 09 min 55 s
